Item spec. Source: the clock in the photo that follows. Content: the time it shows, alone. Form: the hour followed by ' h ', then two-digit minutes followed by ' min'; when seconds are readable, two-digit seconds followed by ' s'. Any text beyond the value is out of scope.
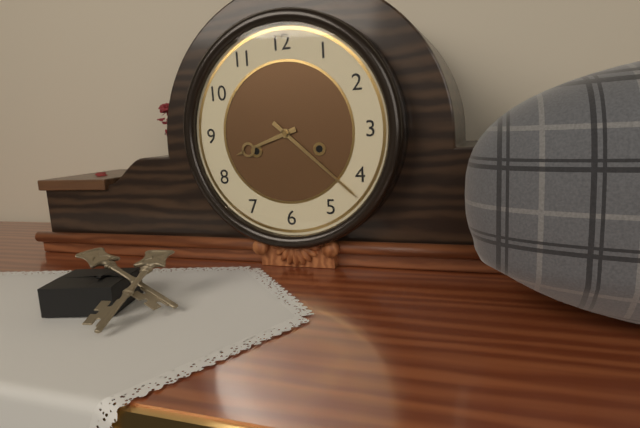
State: 8 h 22 min
